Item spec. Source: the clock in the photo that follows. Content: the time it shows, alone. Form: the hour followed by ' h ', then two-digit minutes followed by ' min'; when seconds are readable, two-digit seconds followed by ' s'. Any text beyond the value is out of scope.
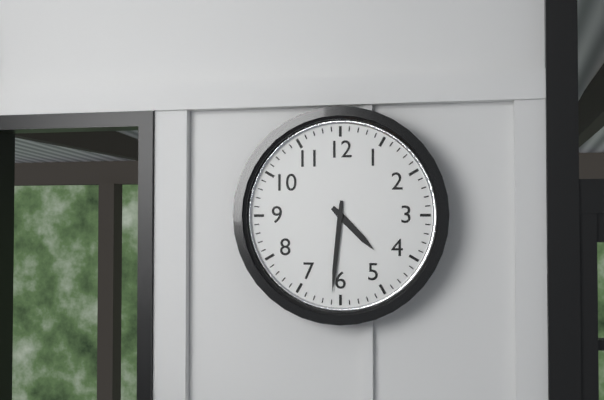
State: 4 h 31 min
